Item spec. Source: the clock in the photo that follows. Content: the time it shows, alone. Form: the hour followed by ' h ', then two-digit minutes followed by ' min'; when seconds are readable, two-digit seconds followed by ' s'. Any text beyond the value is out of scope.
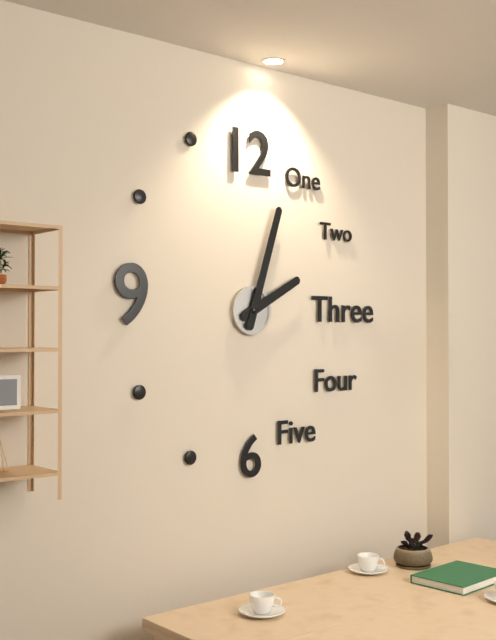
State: 2 h 03 min
